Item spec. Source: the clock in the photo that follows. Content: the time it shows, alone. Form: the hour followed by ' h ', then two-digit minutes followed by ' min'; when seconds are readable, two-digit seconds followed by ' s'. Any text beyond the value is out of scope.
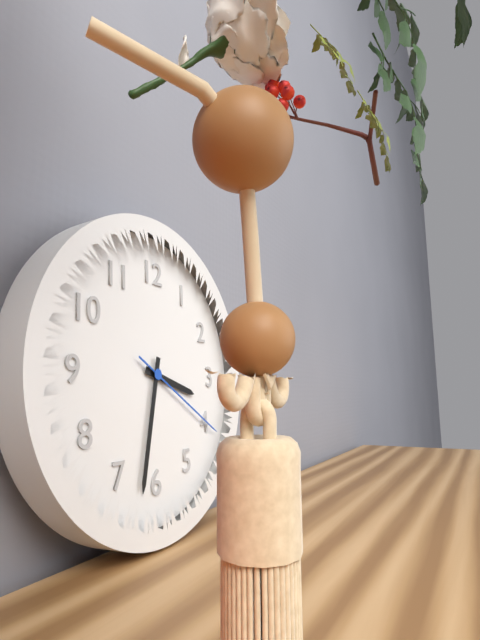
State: 3 h 32 min 20 s
